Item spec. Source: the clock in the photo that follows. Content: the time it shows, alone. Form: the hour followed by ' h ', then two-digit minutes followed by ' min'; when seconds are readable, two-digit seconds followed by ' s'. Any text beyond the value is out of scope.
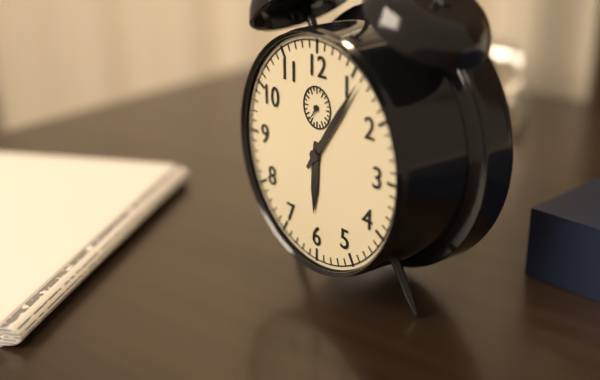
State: 6 h 06 min
